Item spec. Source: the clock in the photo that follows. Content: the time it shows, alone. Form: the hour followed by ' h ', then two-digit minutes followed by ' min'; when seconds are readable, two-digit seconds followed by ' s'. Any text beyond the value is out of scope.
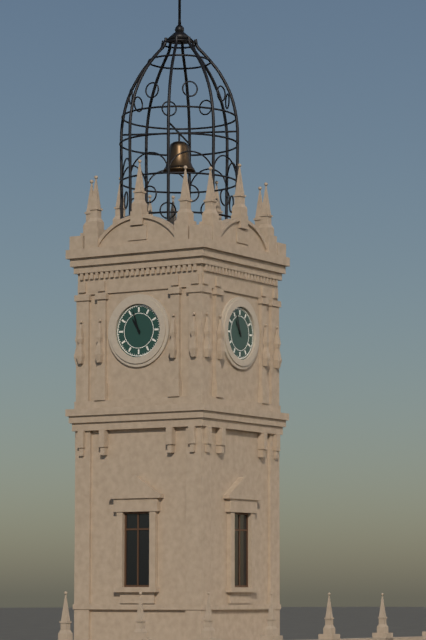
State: 10 h 57 min
